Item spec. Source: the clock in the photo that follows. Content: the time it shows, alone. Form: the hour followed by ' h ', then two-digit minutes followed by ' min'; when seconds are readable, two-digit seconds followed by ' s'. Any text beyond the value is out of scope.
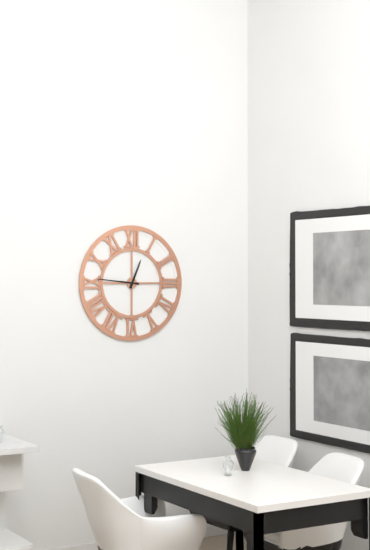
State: 12 h 46 min
